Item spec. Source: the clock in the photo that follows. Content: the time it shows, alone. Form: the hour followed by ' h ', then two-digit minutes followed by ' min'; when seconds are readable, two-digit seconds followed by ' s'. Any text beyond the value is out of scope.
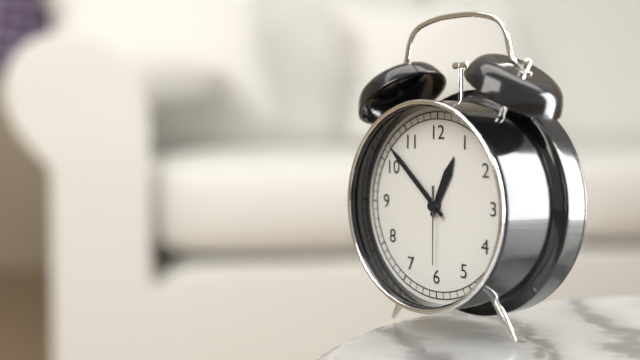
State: 12 h 52 min 30 s
